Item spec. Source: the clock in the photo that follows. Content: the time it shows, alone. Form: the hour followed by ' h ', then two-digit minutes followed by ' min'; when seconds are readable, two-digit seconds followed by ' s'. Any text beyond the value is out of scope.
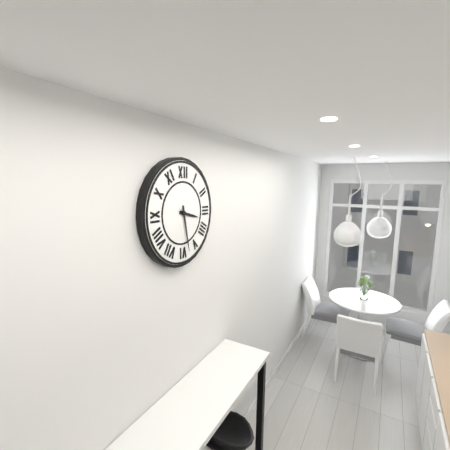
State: 3 h 28 min
